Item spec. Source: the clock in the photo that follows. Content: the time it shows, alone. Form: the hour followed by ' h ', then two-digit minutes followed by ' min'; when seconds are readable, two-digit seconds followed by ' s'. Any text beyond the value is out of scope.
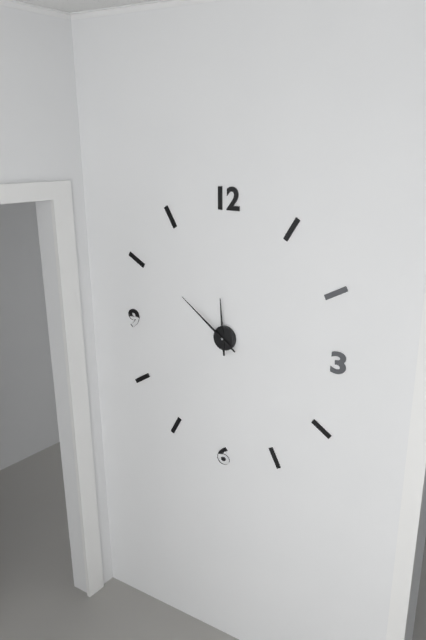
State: 11 h 51 min
